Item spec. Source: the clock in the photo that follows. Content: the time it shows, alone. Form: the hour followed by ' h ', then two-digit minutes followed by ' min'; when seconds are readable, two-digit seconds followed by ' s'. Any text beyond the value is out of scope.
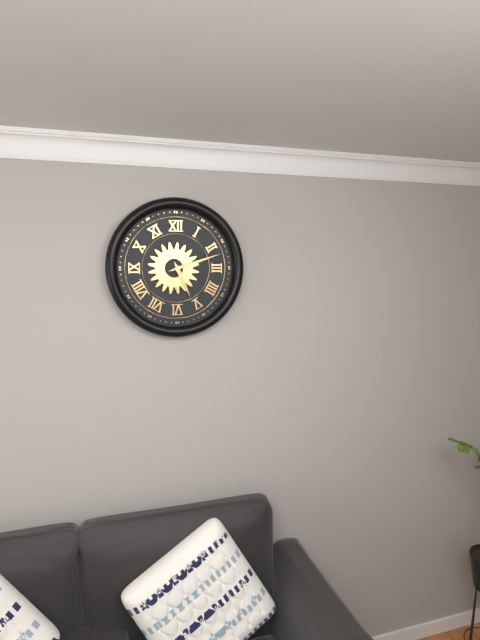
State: 5 h 12 min
